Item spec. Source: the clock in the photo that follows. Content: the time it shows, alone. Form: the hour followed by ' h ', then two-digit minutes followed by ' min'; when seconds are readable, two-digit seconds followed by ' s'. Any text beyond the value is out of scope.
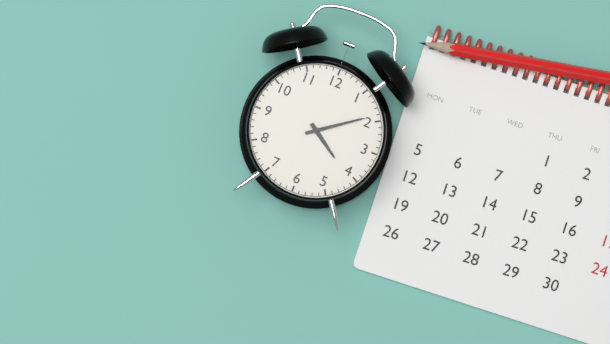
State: 4 h 09 min
